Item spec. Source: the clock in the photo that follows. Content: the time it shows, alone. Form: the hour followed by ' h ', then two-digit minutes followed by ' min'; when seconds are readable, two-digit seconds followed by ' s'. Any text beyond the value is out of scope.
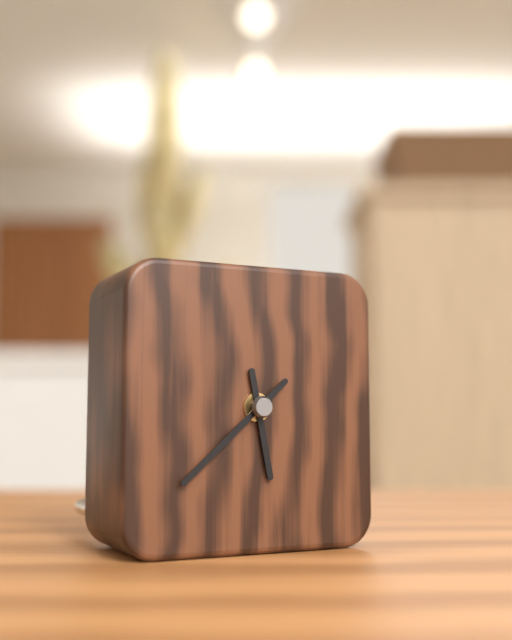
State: 5 h 38 min
